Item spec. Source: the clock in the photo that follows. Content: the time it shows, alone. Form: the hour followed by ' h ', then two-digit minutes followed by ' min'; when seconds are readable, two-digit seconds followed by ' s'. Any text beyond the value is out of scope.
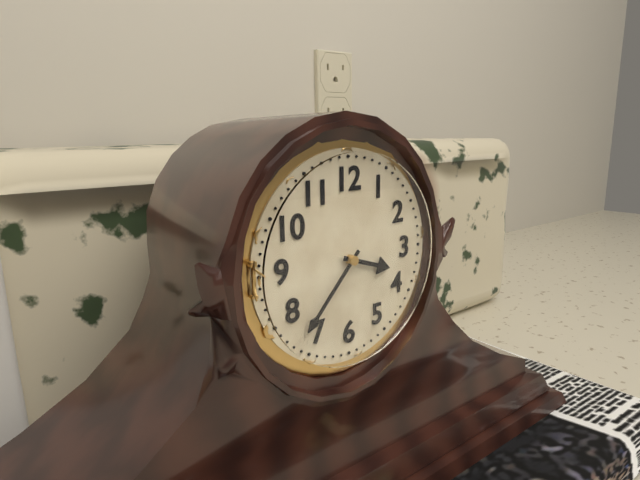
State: 3 h 37 min
